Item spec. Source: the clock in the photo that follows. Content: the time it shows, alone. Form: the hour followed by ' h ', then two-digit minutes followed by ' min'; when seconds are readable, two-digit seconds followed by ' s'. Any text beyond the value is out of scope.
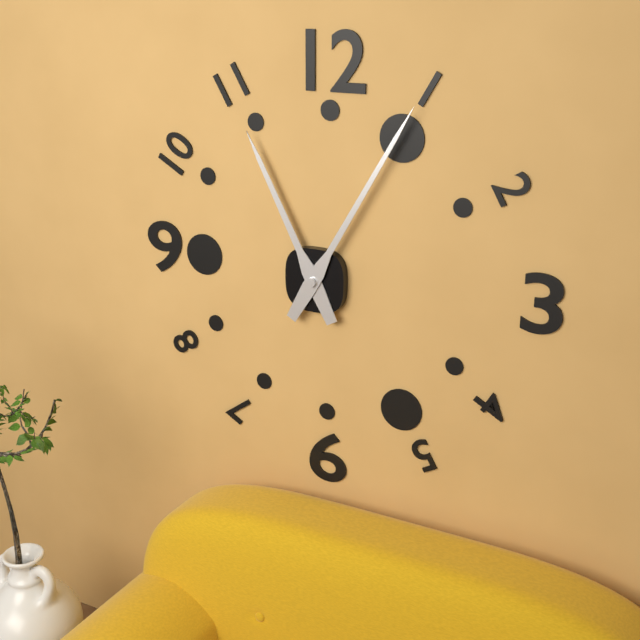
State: 11 h 05 min
